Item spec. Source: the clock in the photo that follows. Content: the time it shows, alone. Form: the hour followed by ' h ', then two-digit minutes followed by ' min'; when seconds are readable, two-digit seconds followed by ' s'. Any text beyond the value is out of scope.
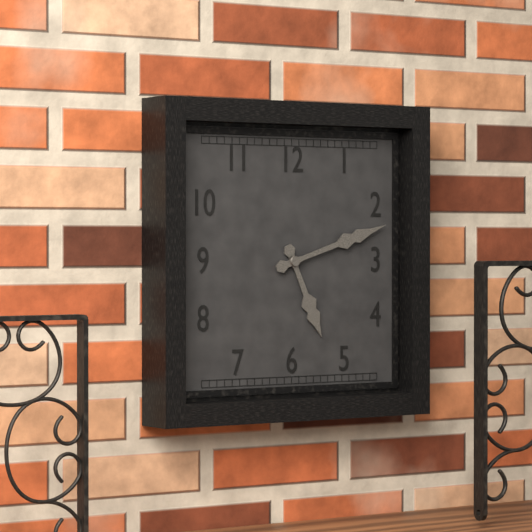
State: 5 h 12 min
